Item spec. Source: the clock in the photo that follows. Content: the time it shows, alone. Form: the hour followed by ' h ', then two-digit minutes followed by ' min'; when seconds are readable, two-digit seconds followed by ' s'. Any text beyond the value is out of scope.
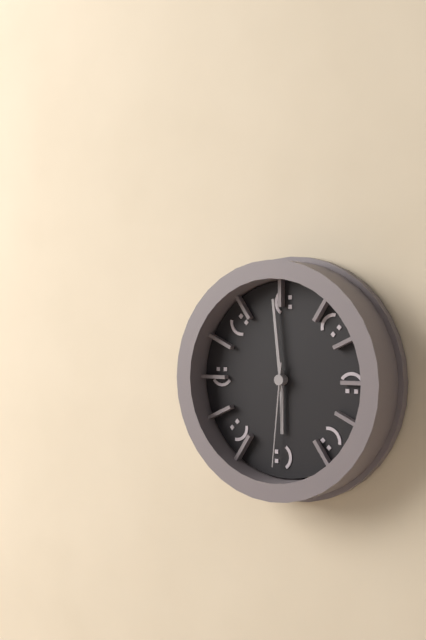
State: 5 h 59 min 31 s
